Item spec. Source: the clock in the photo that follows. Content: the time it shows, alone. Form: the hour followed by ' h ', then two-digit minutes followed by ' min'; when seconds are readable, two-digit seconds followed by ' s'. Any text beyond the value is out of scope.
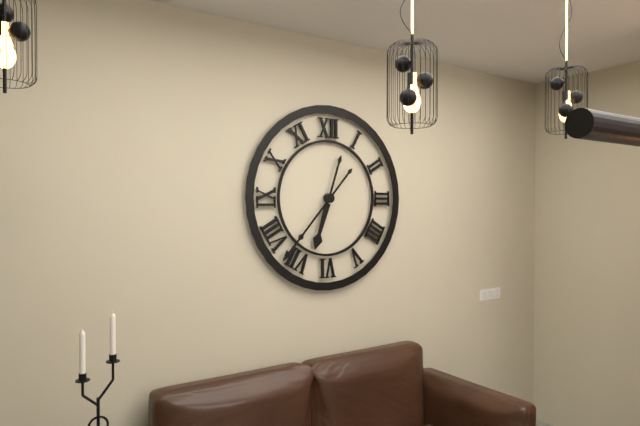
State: 6 h 37 min
